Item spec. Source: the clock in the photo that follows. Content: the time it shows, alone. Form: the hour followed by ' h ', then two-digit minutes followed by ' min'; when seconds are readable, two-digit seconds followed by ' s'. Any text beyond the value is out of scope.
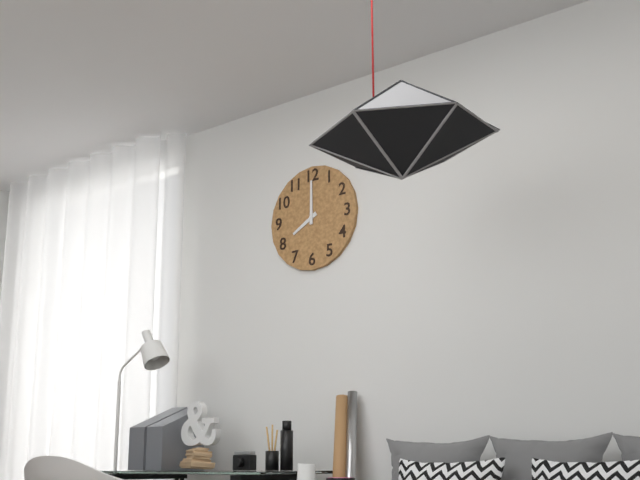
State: 8 h 00 min
